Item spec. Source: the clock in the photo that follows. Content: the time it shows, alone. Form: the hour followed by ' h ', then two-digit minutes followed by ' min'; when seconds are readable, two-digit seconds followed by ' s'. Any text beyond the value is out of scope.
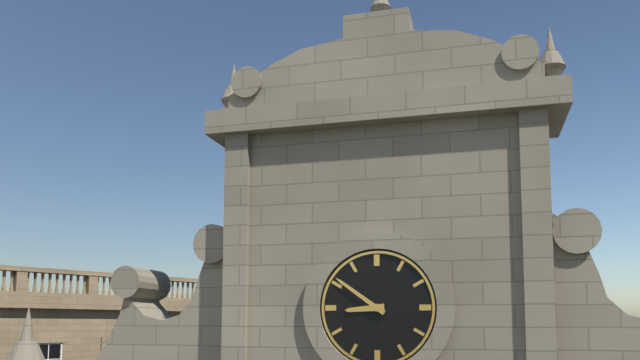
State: 8 h 51 min
